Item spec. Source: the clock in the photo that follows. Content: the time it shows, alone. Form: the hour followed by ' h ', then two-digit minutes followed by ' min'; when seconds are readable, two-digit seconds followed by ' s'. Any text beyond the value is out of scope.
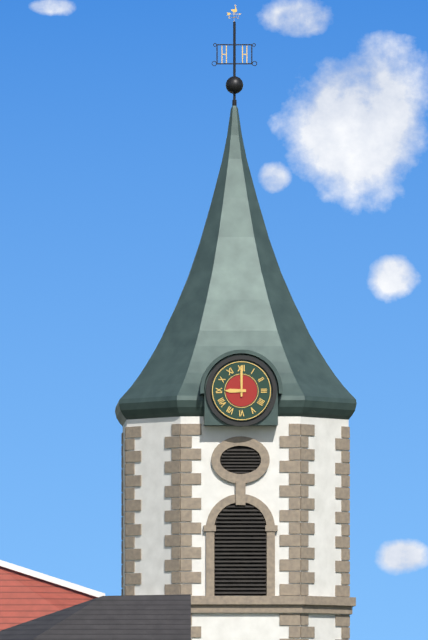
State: 9 h 00 min
